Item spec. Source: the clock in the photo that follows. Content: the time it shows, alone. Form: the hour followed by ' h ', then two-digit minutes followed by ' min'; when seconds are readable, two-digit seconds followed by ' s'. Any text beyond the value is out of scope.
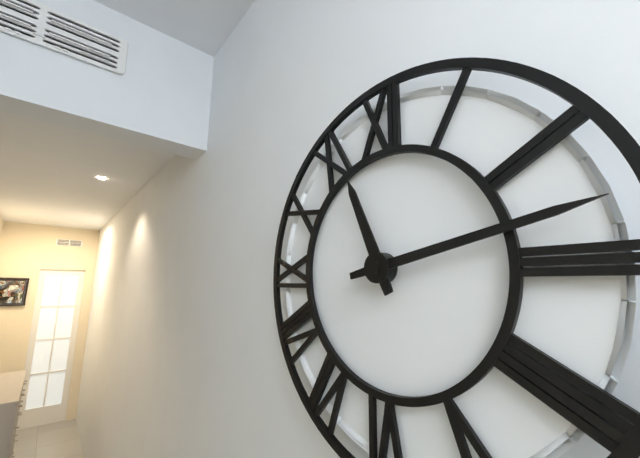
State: 11 h 13 min
